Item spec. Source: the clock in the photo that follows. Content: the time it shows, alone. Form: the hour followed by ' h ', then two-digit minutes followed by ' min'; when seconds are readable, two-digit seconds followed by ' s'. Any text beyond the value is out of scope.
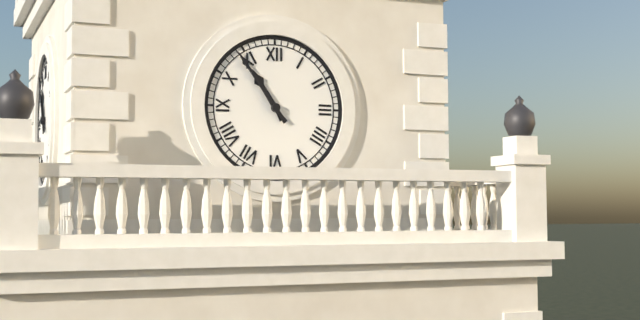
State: 10 h 54 min
